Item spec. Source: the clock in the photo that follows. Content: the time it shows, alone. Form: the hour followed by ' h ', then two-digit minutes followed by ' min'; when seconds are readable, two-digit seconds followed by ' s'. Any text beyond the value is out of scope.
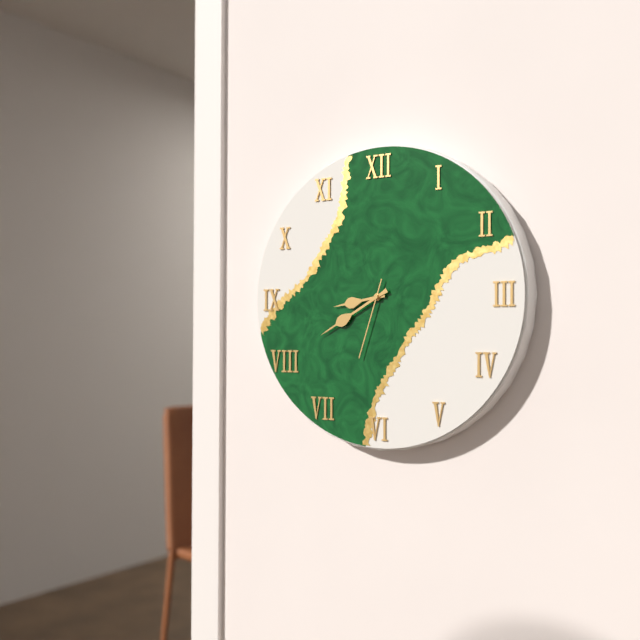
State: 8 h 40 min 33 s
